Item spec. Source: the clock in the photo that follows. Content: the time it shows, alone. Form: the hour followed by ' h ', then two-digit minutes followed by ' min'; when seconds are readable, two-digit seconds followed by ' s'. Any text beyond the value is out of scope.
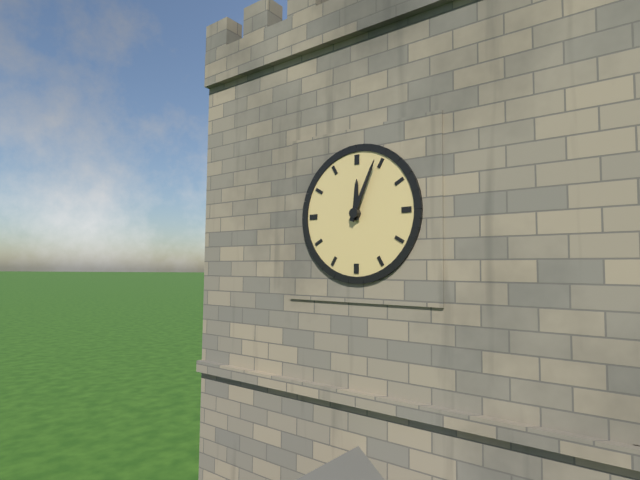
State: 12 h 04 min
